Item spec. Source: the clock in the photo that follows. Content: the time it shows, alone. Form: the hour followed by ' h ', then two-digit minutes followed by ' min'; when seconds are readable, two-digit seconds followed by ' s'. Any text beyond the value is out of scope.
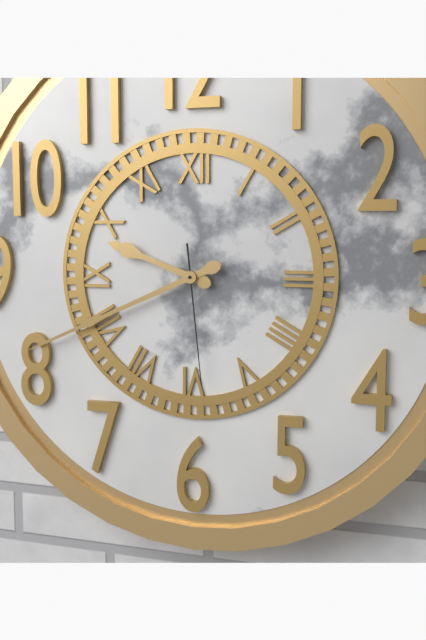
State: 9 h 41 min 29 s
